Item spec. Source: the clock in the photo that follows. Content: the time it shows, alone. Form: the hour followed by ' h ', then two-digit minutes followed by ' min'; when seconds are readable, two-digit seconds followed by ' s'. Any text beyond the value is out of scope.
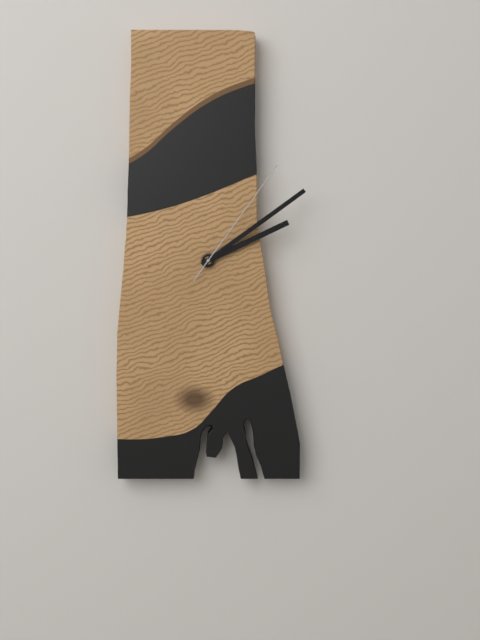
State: 2 h 09 min 06 s
